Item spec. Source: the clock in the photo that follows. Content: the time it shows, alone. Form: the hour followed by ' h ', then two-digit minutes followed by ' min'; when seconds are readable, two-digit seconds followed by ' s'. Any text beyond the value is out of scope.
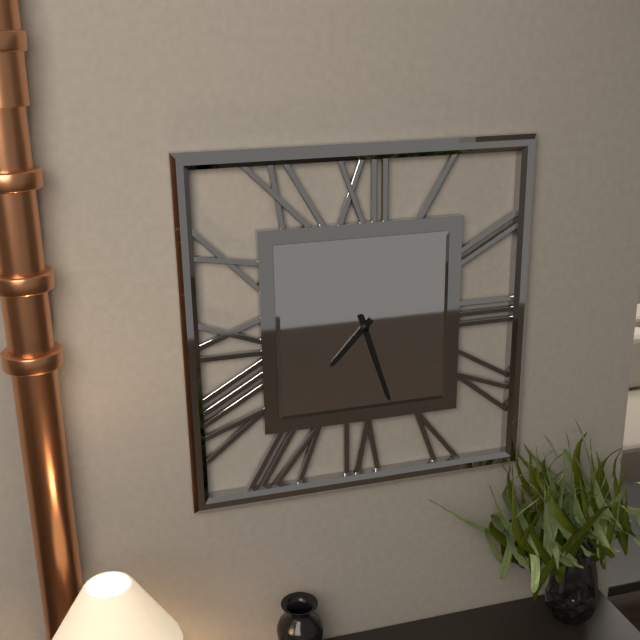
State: 7 h 27 min
